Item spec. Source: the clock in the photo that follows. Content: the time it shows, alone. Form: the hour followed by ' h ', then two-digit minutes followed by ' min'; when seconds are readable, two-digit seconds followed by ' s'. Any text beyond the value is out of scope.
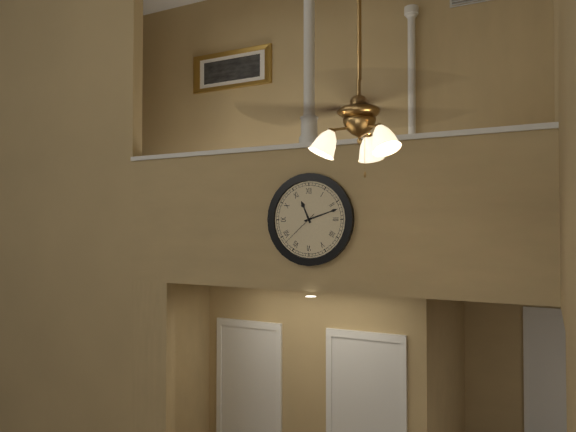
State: 11 h 12 min
